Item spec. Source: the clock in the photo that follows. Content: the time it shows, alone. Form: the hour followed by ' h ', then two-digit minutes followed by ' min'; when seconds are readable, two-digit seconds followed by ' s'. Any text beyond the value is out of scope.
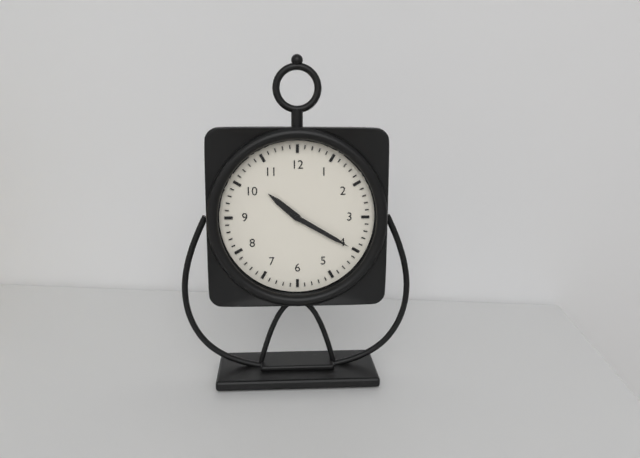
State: 10 h 20 min
